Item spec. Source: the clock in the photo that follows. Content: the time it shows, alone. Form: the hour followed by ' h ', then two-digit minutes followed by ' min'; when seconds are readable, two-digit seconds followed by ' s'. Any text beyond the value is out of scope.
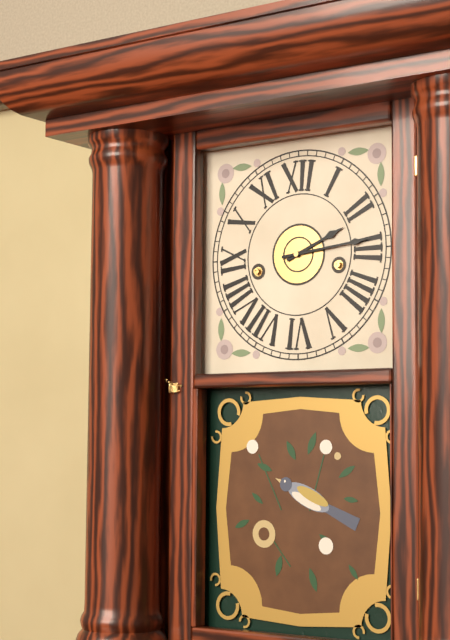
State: 2 h 14 min
